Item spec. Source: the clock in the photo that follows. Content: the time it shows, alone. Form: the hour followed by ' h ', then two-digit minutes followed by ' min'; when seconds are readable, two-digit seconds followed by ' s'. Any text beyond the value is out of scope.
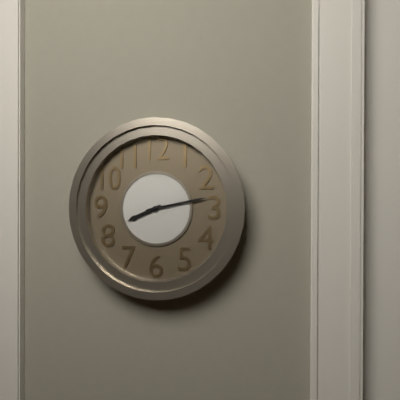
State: 8 h 13 min
